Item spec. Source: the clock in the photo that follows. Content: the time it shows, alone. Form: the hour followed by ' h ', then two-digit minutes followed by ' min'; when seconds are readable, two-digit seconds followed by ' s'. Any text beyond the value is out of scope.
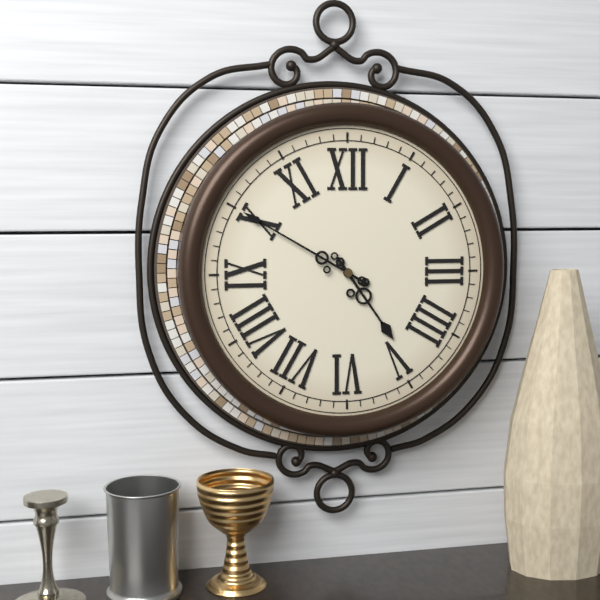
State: 4 h 50 min
